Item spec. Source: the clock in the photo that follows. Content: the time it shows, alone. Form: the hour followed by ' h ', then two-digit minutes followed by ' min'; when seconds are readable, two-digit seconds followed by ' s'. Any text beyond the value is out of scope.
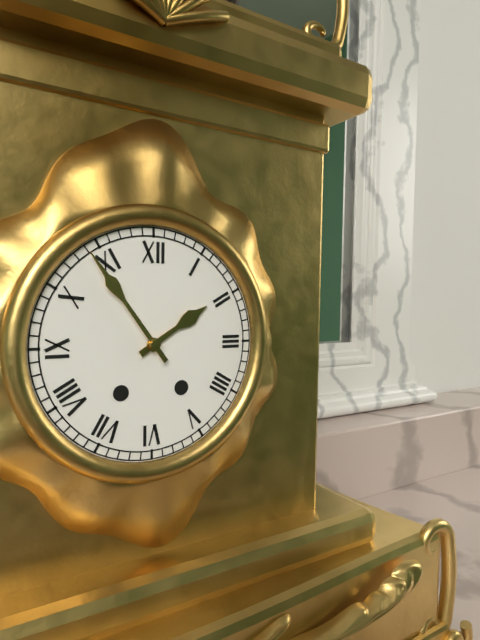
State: 1 h 54 min
